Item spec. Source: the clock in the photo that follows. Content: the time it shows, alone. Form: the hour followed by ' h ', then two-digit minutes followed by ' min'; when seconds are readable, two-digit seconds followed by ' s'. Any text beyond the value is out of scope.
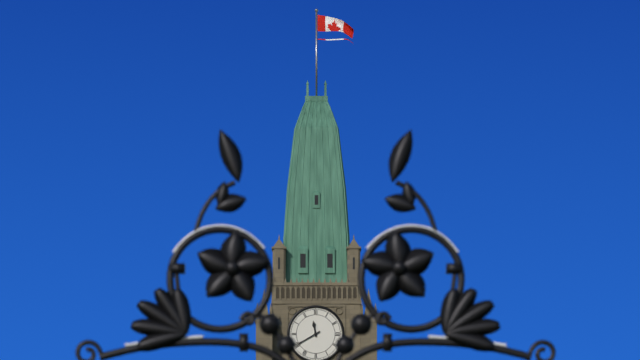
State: 11 h 40 min
